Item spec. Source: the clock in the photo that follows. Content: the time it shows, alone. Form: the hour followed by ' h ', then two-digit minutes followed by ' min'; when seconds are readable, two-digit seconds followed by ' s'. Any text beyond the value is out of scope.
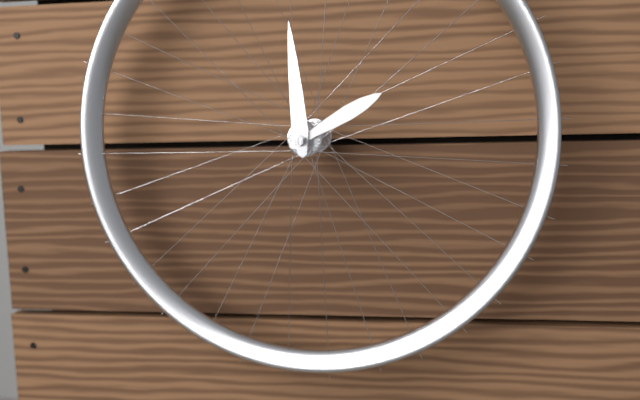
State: 1 h 59 min
